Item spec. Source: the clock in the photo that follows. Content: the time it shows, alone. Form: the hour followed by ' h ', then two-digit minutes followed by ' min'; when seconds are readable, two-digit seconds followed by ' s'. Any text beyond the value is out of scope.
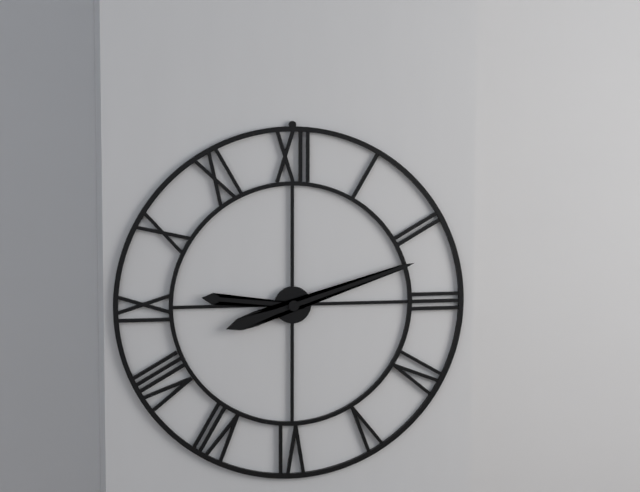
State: 9 h 12 min
